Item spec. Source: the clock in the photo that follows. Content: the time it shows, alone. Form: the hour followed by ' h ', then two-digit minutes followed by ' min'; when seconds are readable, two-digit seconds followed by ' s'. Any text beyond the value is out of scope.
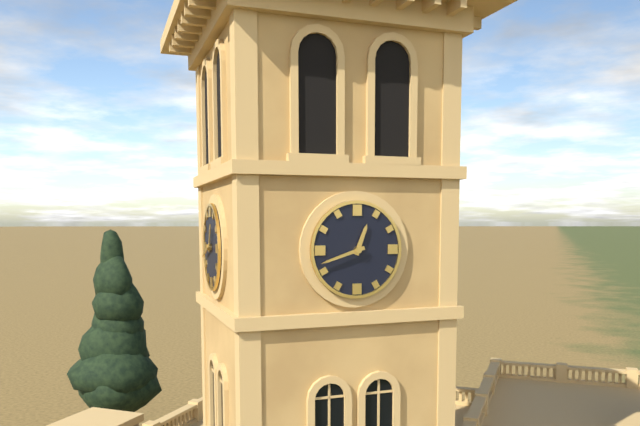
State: 12 h 42 min
